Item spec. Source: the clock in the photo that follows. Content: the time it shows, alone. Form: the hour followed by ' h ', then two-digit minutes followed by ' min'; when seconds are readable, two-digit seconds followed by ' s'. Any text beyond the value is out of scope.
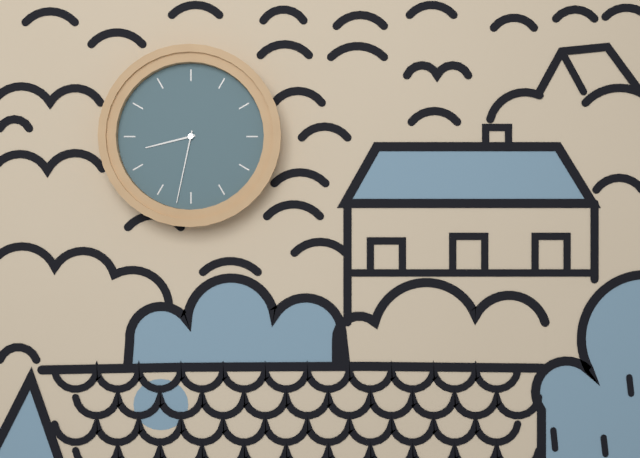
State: 8 h 32 min
